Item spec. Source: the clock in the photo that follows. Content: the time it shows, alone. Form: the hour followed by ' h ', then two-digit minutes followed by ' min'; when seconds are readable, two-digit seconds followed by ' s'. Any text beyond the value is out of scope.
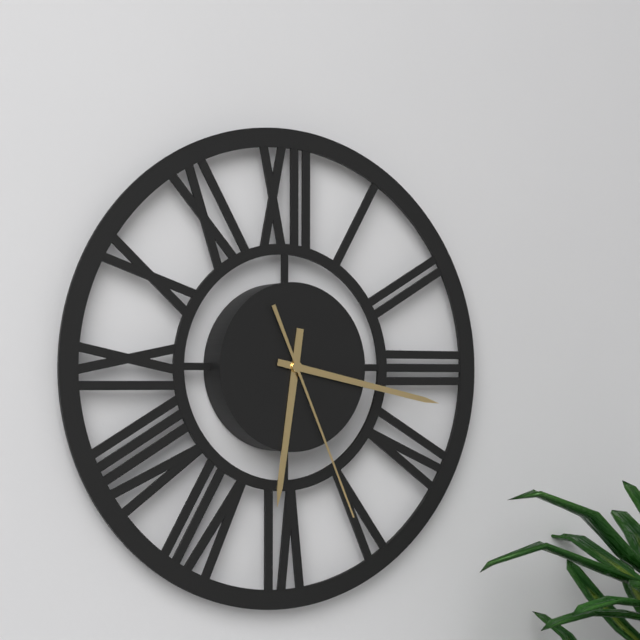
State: 6 h 17 min 26 s
